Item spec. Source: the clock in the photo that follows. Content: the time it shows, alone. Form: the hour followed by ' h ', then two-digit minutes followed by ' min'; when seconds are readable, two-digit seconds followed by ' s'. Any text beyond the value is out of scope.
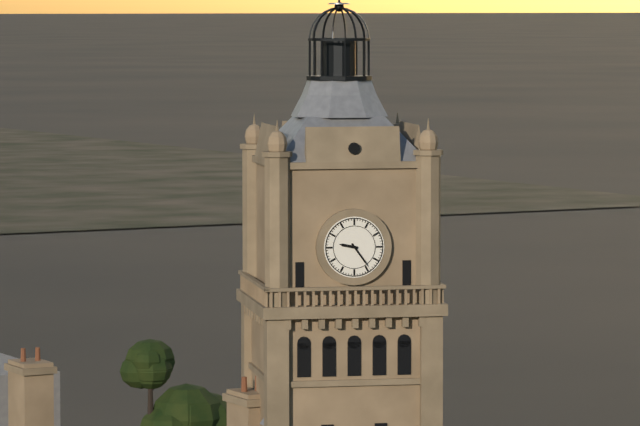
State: 9 h 24 min
